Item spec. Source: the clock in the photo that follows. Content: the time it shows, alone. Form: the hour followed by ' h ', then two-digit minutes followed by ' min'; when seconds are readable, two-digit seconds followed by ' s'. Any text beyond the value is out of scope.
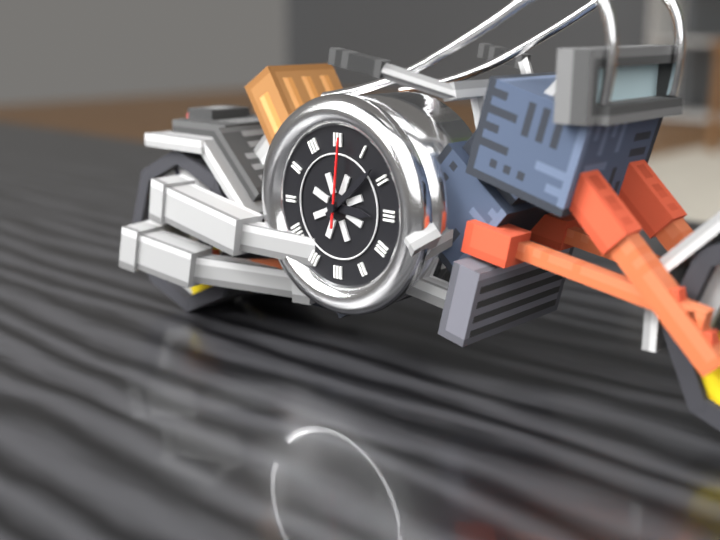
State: 3 h 08 min 01 s
